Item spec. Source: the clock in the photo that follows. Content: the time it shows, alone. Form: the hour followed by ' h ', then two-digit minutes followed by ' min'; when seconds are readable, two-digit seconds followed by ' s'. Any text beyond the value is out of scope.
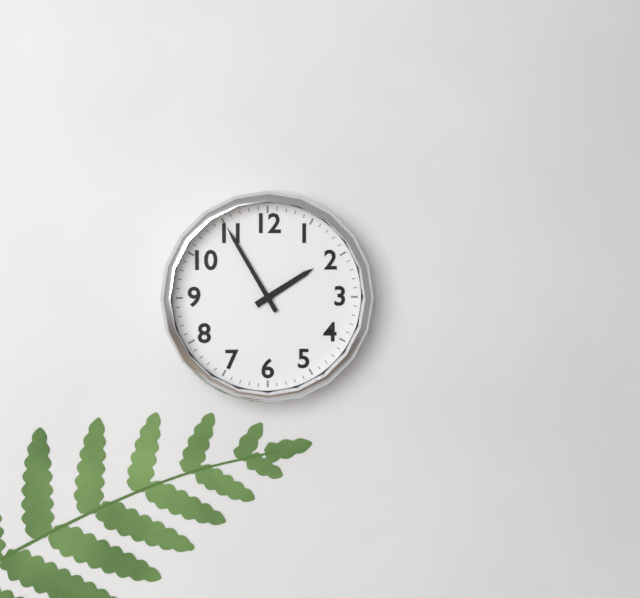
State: 1 h 55 min
